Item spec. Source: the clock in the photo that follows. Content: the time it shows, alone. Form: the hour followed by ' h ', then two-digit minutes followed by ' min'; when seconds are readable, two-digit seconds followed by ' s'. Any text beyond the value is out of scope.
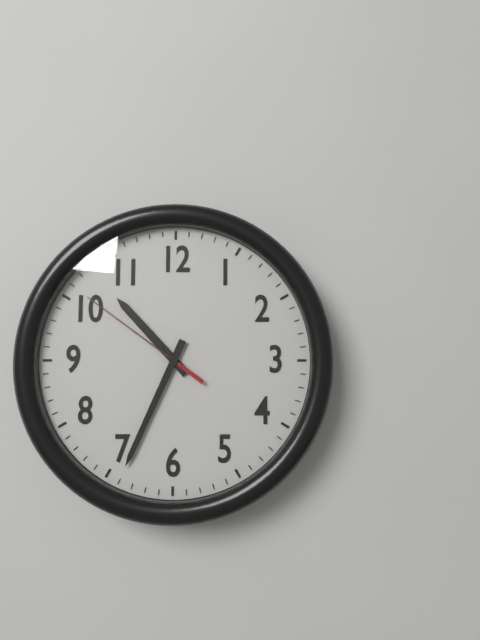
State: 10 h 34 min 51 s
